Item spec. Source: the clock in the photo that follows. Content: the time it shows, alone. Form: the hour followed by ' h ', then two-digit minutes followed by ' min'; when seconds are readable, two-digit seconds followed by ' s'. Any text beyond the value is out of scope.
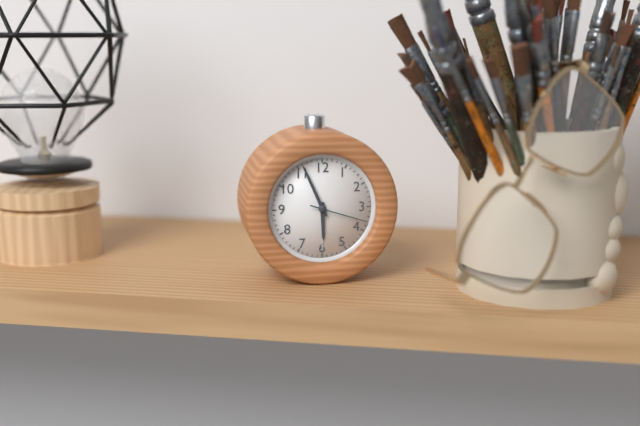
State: 5 h 56 min 18 s
